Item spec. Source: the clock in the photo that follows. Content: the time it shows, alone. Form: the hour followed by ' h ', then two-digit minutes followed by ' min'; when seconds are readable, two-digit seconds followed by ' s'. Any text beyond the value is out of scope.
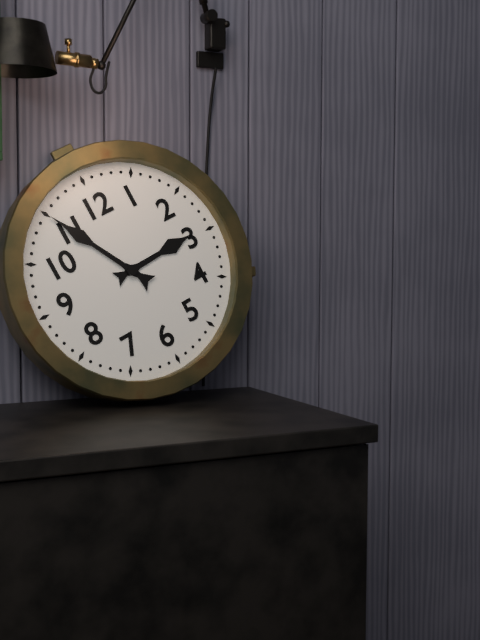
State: 2 h 55 min
